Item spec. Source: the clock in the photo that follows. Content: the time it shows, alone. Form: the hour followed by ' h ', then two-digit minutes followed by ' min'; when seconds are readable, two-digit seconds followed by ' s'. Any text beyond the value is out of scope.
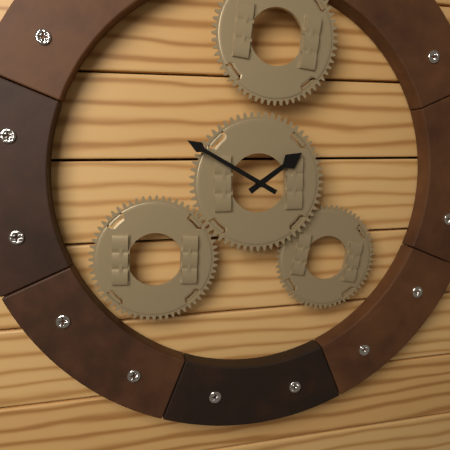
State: 1 h 50 min
